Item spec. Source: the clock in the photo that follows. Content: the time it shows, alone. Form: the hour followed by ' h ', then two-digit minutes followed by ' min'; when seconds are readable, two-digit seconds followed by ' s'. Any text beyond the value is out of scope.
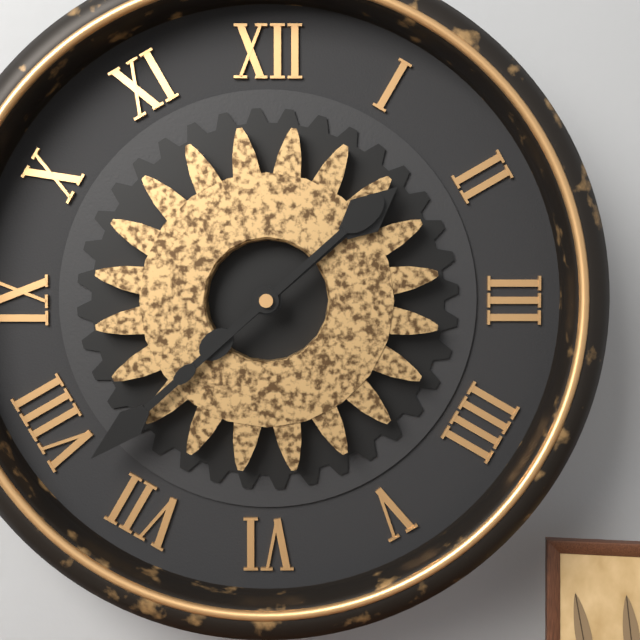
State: 1 h 38 min
